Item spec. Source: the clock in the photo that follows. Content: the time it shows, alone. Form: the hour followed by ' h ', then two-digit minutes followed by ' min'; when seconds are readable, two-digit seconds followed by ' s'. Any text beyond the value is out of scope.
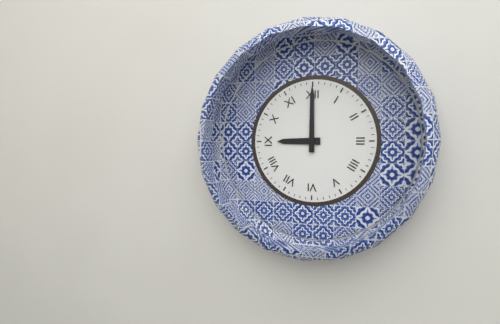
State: 9 h 00 min
